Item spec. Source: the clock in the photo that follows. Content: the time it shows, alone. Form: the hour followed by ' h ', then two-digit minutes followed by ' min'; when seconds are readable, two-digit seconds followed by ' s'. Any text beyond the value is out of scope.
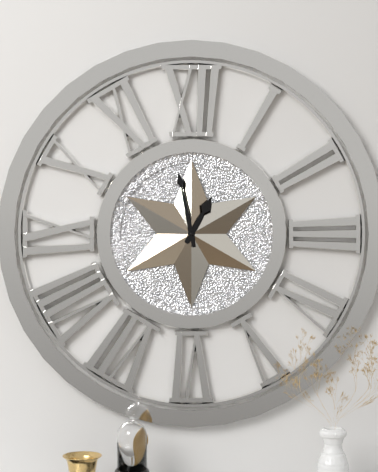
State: 12 h 58 min
